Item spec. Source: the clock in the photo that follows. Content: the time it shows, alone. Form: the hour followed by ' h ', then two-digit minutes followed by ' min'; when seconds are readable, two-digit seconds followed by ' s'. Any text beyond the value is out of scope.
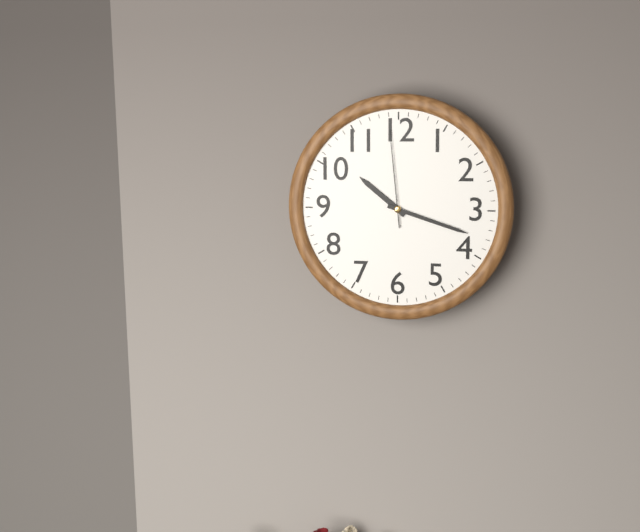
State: 10 h 18 min 59 s
